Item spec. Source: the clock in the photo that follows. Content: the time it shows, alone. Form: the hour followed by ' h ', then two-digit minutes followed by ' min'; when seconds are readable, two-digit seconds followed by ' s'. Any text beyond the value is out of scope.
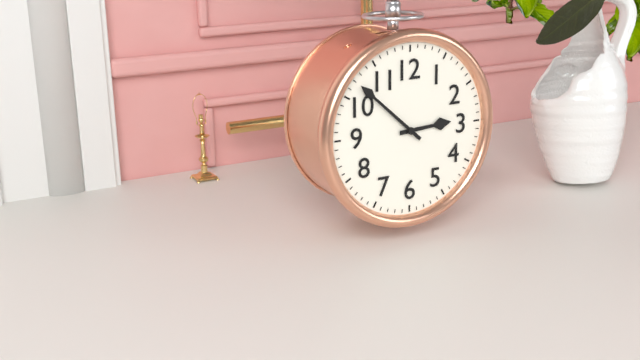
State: 2 h 52 min
